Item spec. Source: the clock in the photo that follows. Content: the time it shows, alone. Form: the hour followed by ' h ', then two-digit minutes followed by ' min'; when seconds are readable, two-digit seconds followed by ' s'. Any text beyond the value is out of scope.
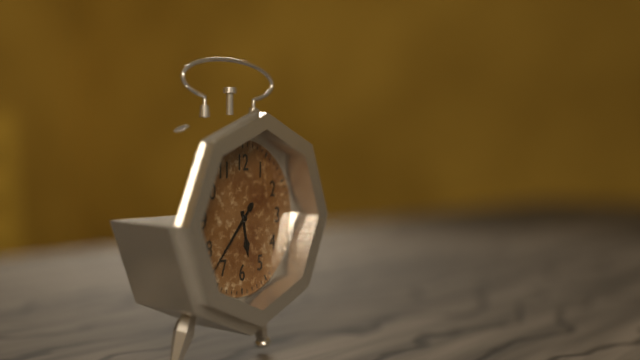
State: 5 h 37 min
